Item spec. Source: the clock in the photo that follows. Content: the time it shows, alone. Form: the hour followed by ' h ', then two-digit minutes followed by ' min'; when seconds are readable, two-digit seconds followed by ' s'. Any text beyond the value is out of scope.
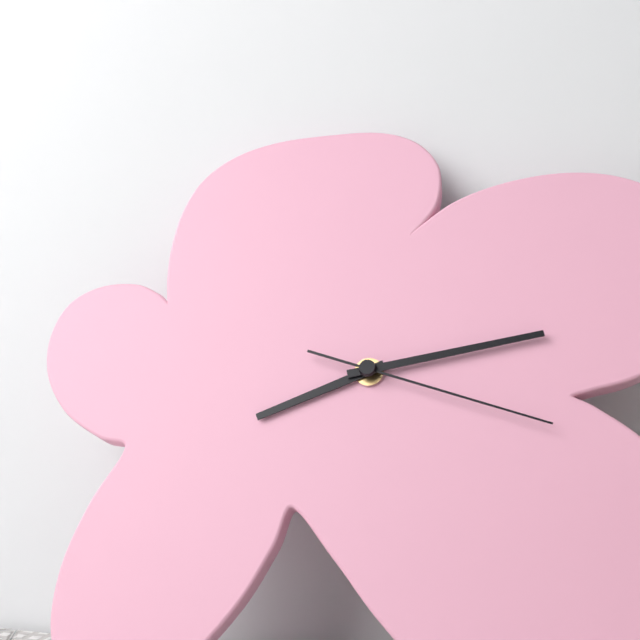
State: 8 h 13 min 18 s
